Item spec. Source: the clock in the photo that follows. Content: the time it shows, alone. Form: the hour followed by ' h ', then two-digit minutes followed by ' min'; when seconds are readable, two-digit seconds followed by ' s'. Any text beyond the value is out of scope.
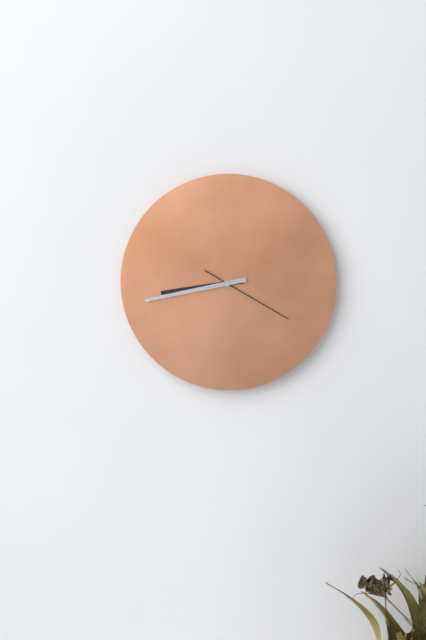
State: 8 h 43 min 20 s
